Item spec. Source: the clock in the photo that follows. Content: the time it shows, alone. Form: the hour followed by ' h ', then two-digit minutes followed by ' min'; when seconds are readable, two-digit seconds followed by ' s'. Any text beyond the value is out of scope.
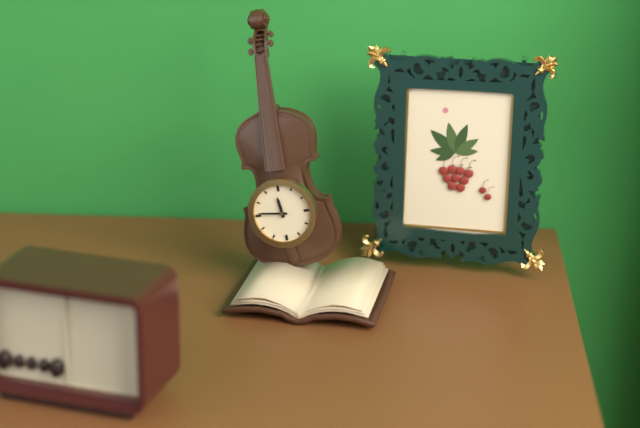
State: 11 h 46 min
